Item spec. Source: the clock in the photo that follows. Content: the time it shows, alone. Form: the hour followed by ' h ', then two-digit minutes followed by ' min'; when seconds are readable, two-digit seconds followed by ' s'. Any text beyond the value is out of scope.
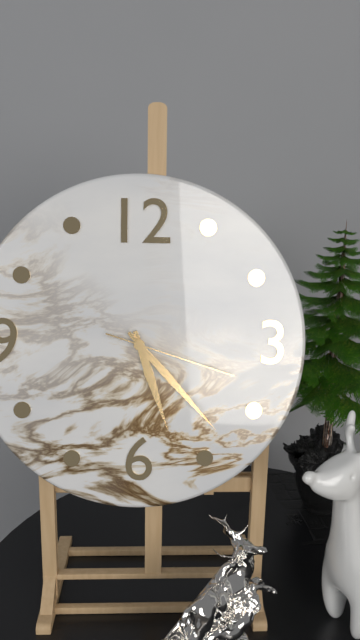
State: 5 h 23 min 18 s
